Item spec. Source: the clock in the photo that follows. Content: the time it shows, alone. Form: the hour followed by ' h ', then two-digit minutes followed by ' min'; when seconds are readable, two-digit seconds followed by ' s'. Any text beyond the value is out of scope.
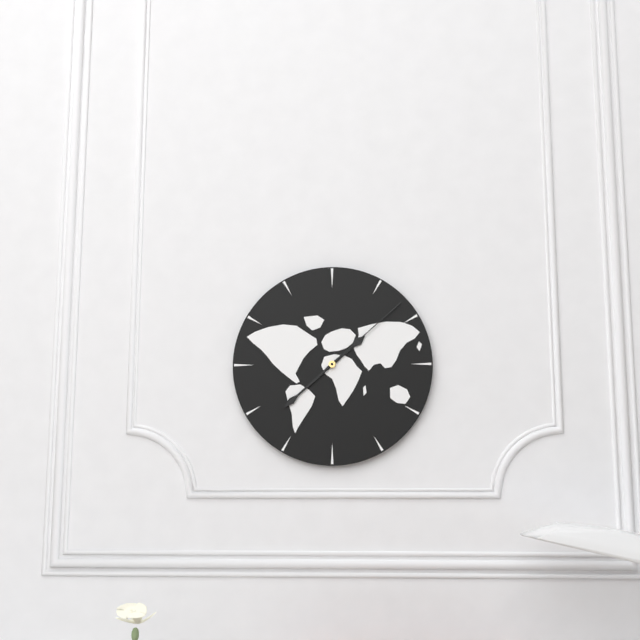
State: 1 h 38 min 08 s
